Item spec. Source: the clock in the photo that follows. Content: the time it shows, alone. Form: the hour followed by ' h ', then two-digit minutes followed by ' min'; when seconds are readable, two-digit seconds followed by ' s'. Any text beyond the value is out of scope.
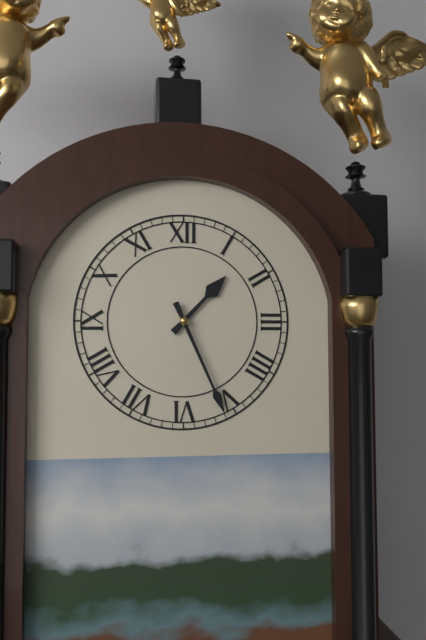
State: 1 h 26 min
